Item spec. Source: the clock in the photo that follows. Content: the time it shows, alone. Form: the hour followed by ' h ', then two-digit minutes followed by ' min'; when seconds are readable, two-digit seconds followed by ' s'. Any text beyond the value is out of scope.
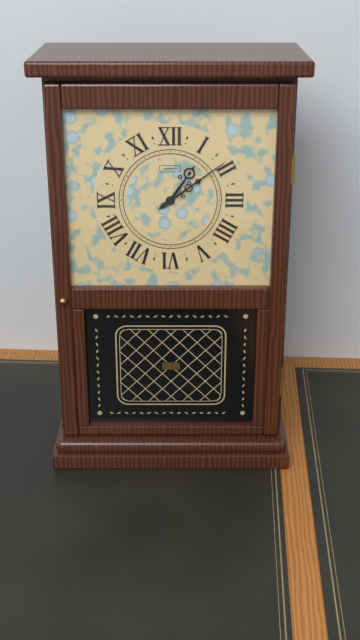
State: 1 h 09 min
